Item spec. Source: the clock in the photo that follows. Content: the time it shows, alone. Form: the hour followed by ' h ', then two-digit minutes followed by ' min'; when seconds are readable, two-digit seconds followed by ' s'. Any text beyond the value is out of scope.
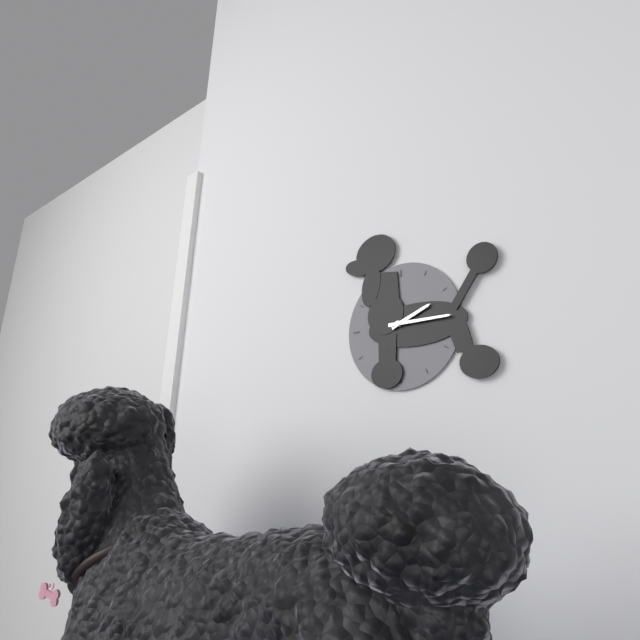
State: 2 h 15 min
